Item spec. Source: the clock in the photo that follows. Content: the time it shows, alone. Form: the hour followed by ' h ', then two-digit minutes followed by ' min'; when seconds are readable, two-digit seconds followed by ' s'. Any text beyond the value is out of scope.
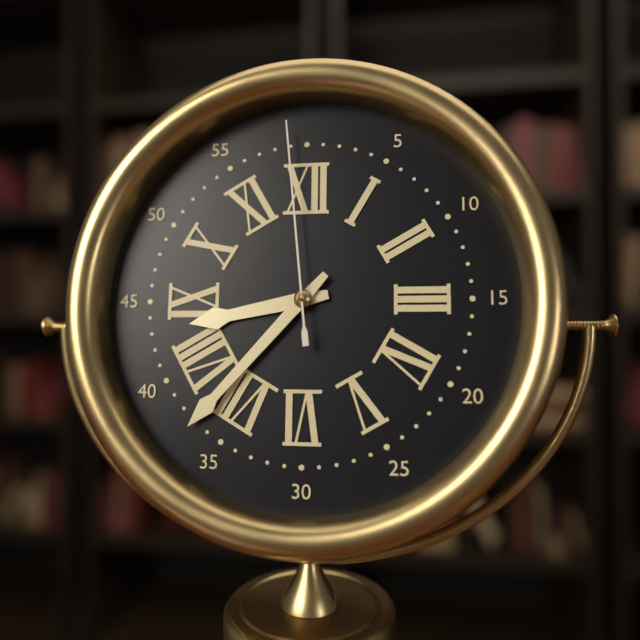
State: 8 h 37 min 59 s
